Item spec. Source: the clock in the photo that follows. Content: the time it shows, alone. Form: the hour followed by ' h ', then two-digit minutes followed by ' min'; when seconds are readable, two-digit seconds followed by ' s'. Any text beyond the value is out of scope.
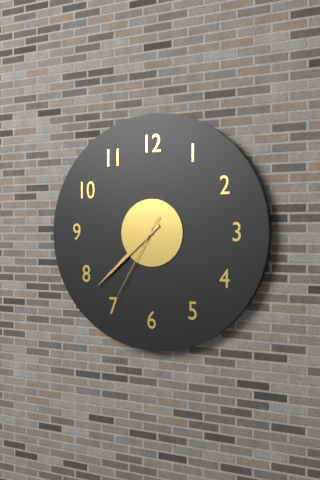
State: 7 h 38 min 35 s
